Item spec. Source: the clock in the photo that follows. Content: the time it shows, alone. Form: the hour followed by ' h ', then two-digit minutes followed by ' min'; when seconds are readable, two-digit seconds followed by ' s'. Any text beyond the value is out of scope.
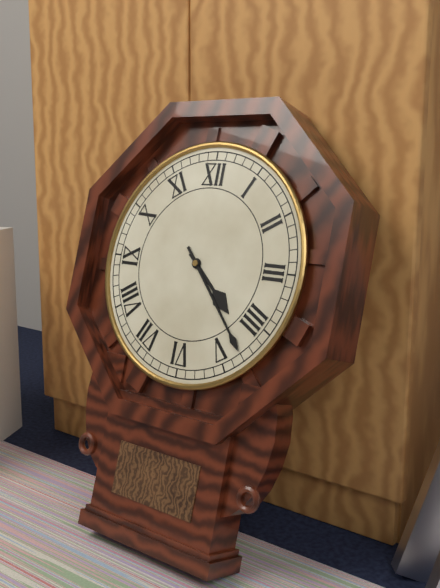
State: 4 h 23 min
